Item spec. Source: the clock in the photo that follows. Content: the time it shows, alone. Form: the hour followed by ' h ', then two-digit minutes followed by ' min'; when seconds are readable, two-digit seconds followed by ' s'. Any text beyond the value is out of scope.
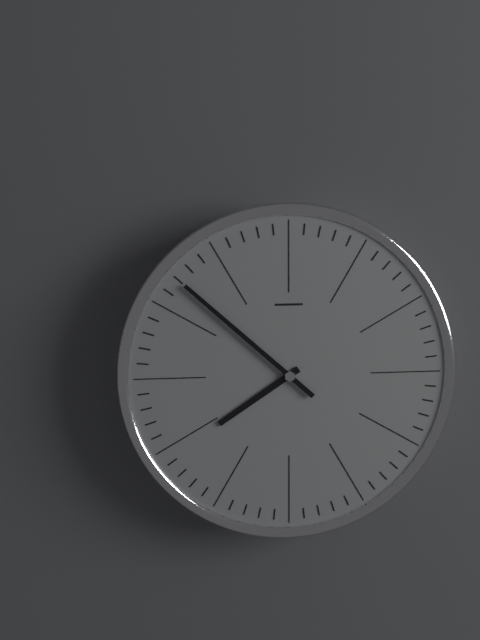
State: 7 h 52 min
